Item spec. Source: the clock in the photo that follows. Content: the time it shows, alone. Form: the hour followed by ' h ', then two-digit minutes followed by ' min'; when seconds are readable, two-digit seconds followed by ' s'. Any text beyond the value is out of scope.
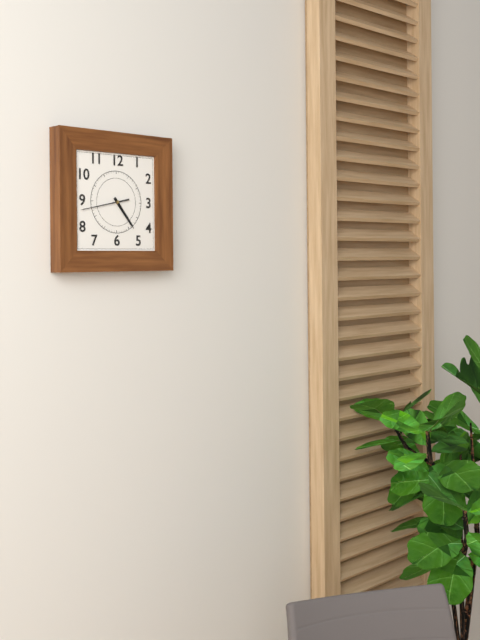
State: 4 h 43 min
